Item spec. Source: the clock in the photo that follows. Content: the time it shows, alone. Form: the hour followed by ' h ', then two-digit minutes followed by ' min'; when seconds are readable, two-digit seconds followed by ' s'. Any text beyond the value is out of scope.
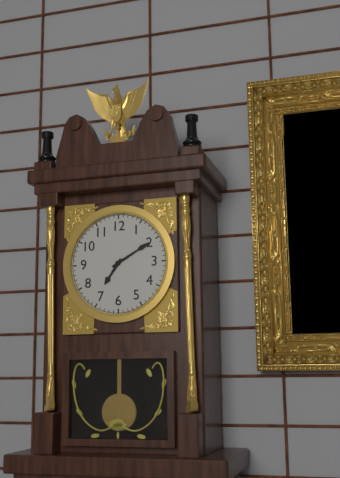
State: 7 h 10 min
